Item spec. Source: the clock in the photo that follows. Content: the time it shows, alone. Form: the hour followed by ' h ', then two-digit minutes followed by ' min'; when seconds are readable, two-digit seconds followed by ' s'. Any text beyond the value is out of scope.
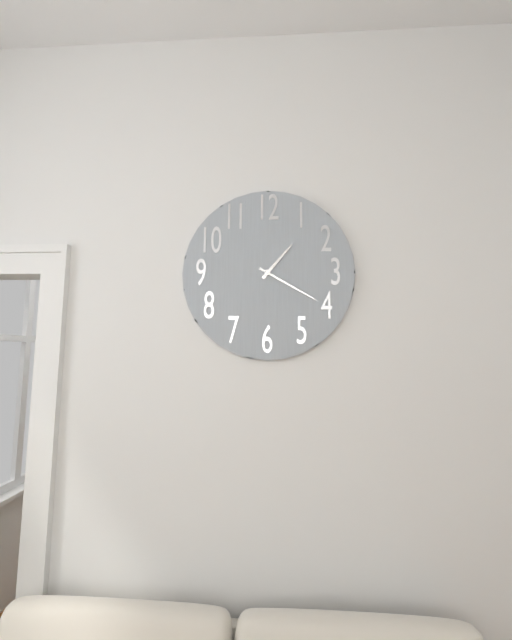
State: 1 h 20 min
